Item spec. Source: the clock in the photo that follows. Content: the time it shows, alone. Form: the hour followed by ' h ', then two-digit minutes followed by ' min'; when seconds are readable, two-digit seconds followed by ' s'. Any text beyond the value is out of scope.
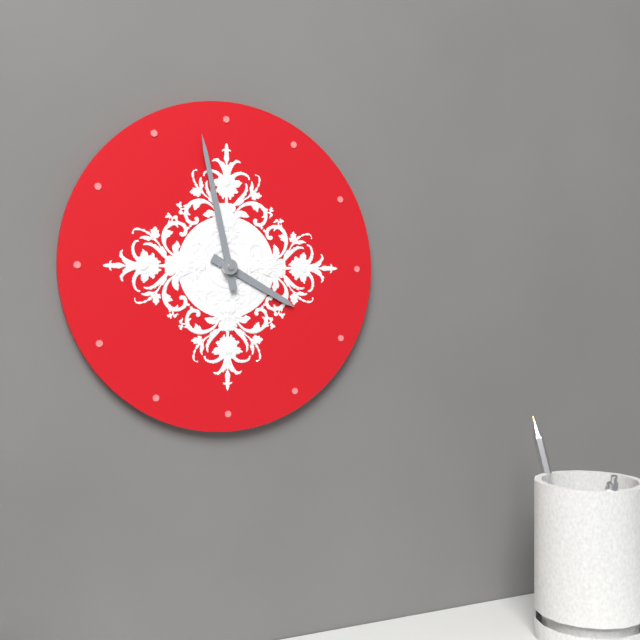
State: 3 h 58 min
